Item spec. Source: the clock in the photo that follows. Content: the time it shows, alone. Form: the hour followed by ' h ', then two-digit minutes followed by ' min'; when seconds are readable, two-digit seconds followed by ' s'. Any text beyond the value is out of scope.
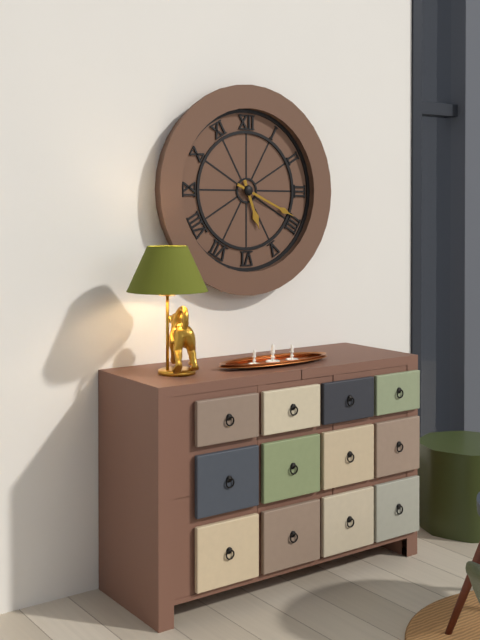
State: 5 h 19 min
